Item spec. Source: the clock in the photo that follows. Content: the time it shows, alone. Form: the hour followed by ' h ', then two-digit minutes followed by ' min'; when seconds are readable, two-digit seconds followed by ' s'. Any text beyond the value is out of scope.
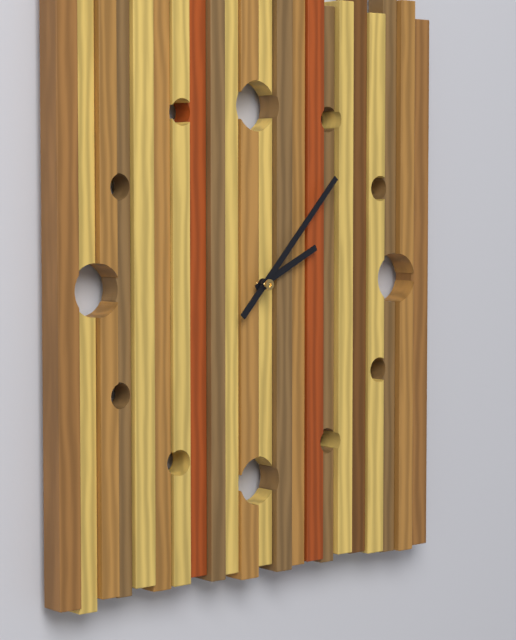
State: 2 h 07 min
